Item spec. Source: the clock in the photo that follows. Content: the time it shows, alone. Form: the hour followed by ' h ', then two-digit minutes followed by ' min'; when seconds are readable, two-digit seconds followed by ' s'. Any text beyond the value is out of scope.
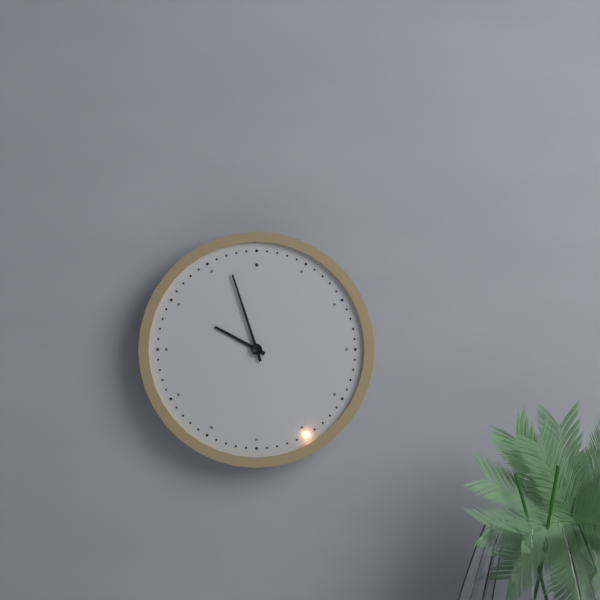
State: 9 h 57 min
